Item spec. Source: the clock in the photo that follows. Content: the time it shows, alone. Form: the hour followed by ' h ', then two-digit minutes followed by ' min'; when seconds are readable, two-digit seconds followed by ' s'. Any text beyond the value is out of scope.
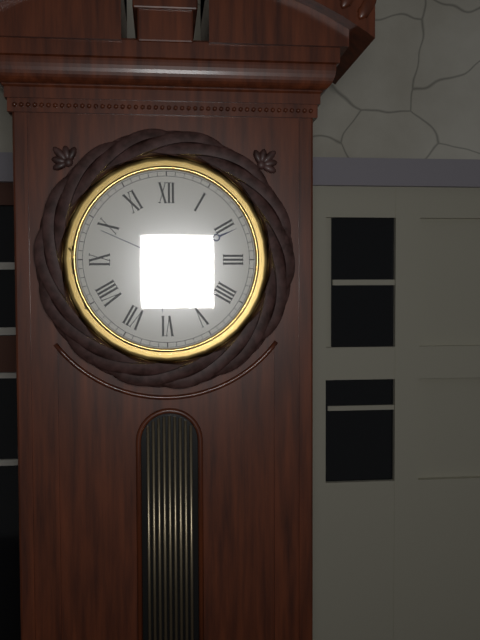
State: 6 h 11 min 49 s
